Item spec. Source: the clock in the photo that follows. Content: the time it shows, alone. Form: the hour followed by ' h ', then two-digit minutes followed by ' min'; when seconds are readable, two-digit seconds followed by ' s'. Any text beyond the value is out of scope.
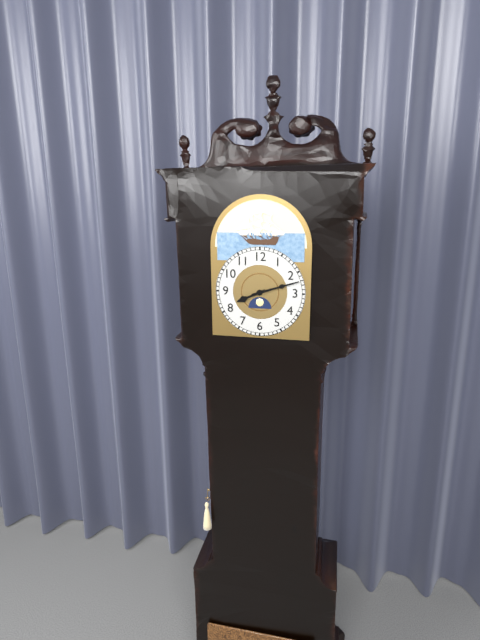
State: 8 h 12 min
